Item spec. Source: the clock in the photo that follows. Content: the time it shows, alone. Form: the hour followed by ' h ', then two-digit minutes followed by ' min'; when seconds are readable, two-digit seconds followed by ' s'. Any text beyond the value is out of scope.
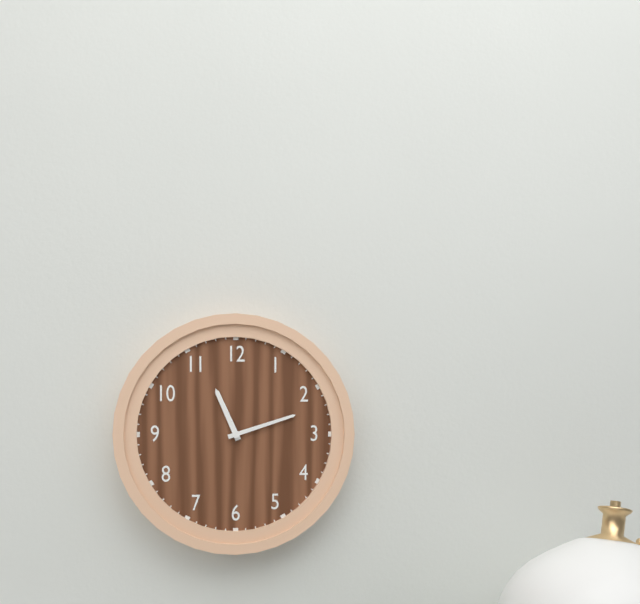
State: 11 h 12 min
